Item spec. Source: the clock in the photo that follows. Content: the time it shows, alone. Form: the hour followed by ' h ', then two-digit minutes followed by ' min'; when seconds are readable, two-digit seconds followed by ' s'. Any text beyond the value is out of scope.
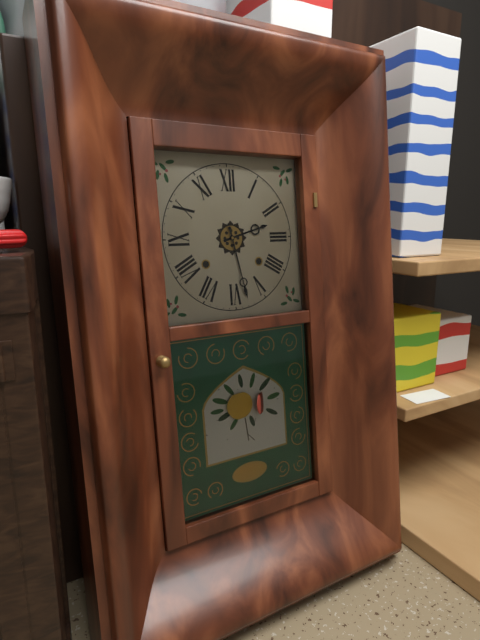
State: 2 h 28 min
